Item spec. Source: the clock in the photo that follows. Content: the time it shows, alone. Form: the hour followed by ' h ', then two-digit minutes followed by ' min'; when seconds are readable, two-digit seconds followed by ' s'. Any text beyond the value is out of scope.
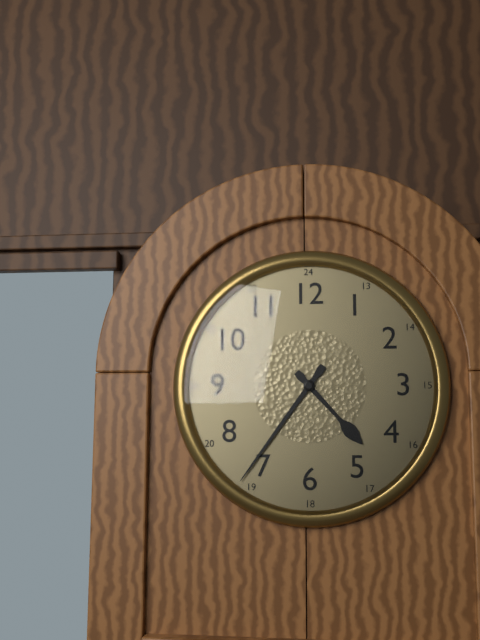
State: 4 h 36 min
